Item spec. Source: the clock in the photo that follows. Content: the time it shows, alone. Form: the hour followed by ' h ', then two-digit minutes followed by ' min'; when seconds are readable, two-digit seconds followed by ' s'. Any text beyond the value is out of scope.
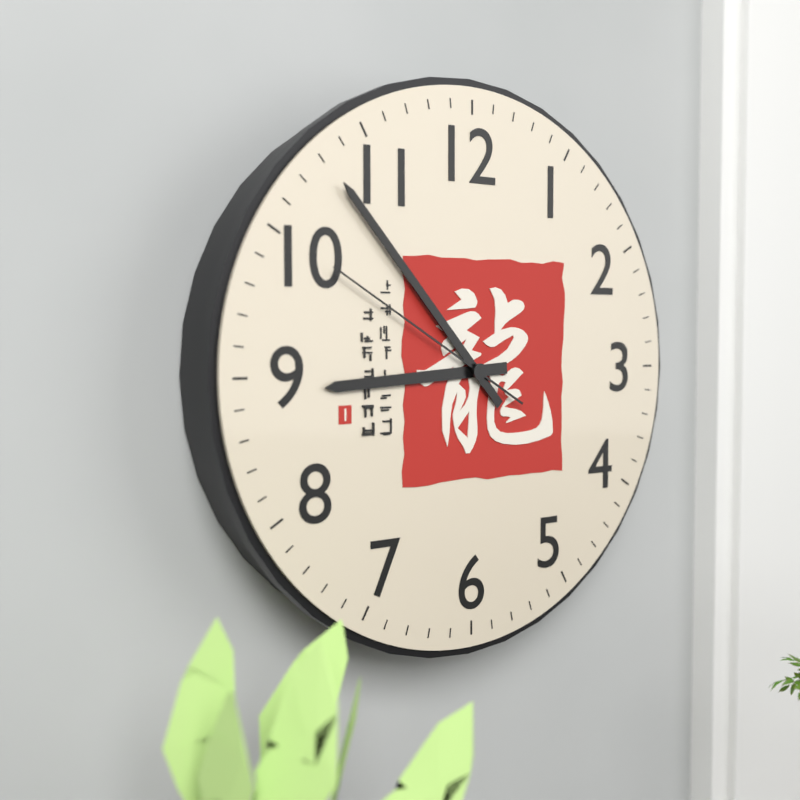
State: 8 h 53 min 50 s
